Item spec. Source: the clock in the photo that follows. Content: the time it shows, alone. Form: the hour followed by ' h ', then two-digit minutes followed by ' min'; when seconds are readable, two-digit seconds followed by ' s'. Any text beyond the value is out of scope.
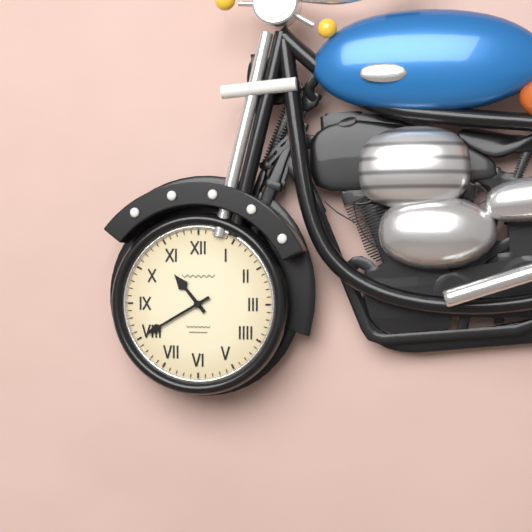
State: 10 h 40 min
